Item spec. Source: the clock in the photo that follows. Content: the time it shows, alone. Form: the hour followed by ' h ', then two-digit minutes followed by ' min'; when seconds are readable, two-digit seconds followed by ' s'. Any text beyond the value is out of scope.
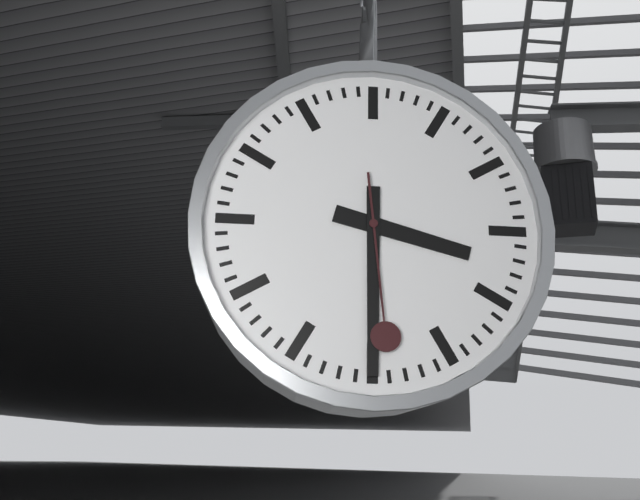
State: 3 h 30 min 29 s
